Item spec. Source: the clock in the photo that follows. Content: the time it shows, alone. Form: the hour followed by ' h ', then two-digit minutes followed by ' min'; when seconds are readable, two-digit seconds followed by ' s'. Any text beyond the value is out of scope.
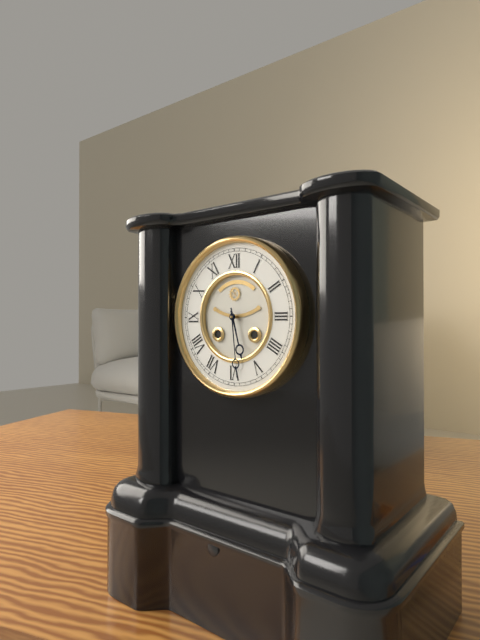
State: 5 h 29 min
